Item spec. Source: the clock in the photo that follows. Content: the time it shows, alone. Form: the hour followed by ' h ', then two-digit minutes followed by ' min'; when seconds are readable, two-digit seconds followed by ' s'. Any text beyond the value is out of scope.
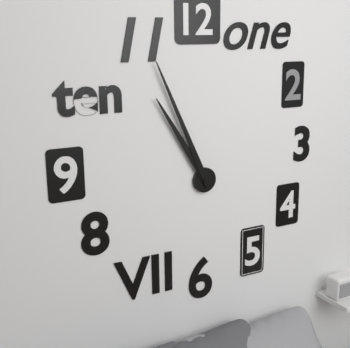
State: 10 h 56 min
